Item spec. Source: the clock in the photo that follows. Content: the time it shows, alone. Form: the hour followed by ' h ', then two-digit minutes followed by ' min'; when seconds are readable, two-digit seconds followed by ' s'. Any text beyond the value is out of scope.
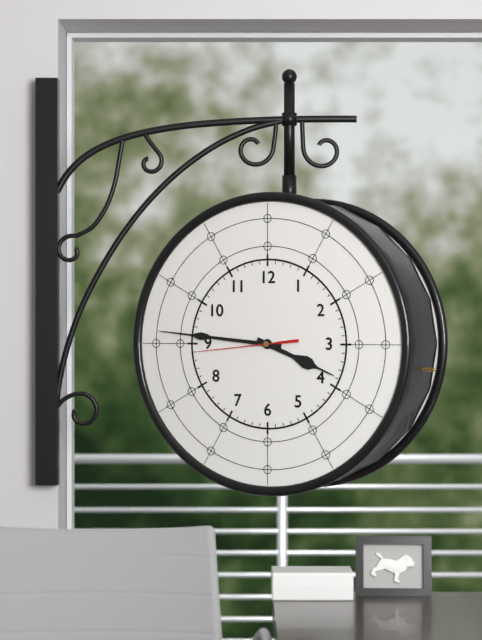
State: 3 h 46 min 44 s
